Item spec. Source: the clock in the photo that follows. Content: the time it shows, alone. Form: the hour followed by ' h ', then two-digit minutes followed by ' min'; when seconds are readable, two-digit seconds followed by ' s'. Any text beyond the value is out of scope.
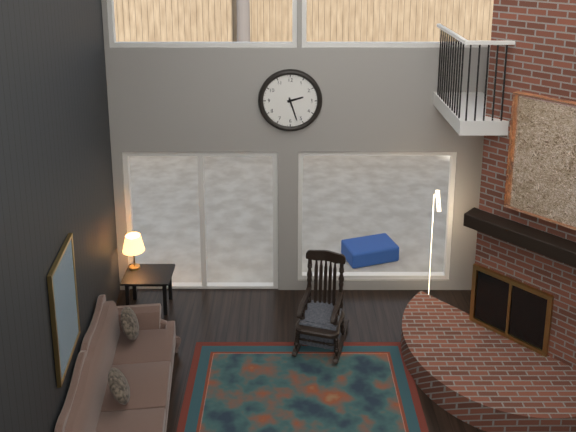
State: 2 h 27 min
